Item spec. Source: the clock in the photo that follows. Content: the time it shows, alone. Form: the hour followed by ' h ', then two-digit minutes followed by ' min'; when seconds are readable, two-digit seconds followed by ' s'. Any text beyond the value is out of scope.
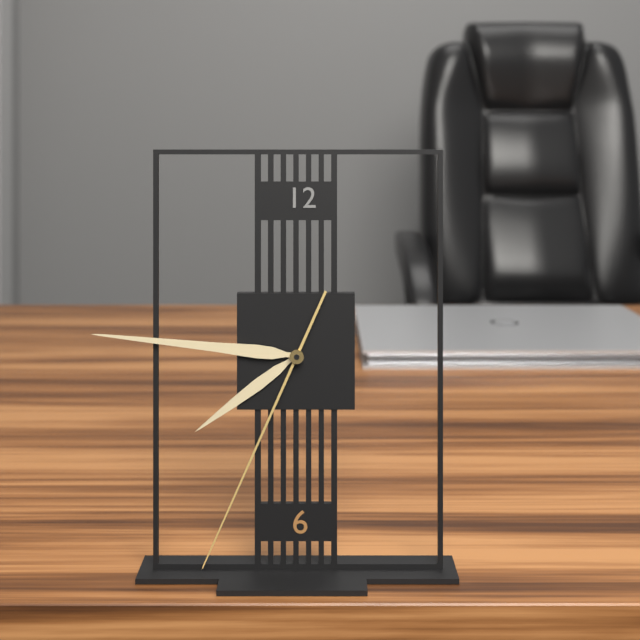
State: 7 h 46 min 34 s
